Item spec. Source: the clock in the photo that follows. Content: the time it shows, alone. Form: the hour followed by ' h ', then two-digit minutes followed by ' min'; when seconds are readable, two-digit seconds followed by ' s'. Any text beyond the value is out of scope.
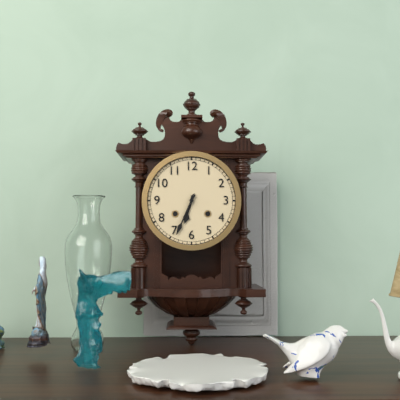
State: 6 h 34 min
